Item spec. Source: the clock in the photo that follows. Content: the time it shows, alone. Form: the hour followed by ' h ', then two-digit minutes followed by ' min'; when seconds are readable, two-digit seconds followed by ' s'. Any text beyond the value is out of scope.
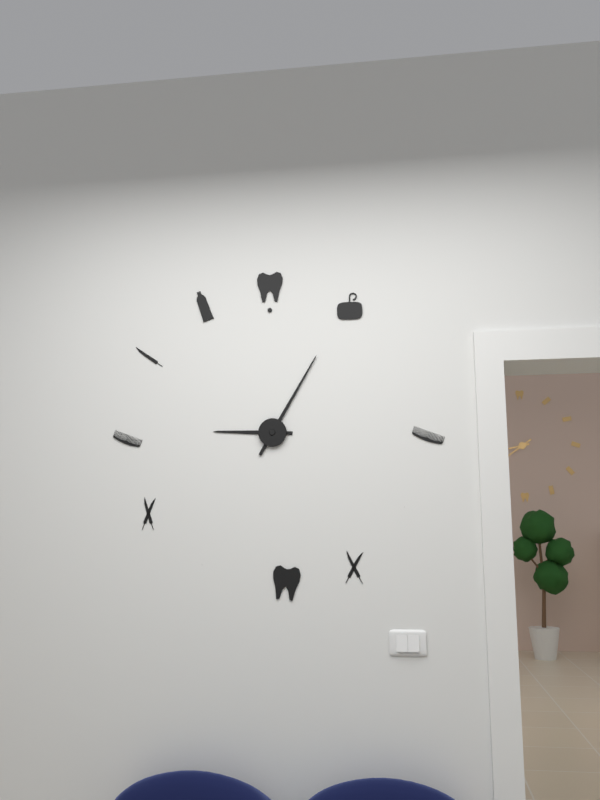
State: 9 h 05 min
